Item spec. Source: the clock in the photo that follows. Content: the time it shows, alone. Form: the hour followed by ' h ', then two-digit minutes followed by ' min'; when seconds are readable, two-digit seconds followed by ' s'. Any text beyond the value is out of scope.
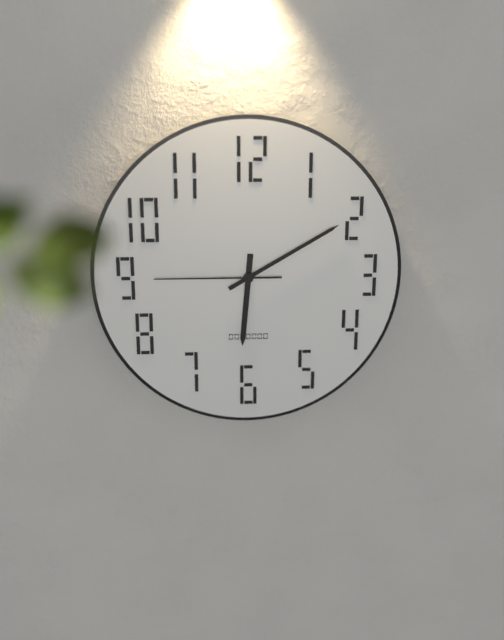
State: 6 h 10 min 45 s
